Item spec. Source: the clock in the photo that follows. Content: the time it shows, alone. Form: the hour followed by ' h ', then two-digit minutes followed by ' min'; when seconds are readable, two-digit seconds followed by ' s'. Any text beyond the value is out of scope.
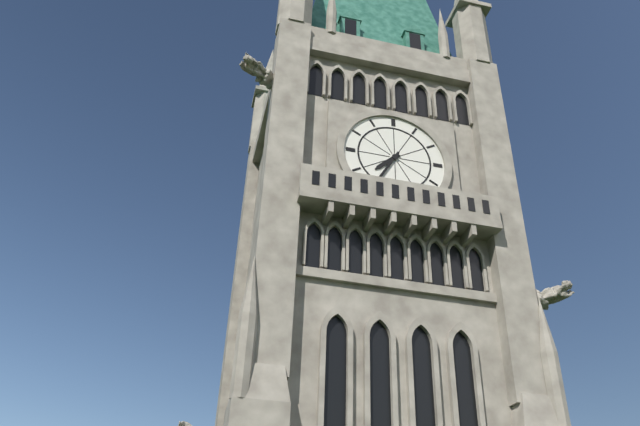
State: 7 h 35 min
